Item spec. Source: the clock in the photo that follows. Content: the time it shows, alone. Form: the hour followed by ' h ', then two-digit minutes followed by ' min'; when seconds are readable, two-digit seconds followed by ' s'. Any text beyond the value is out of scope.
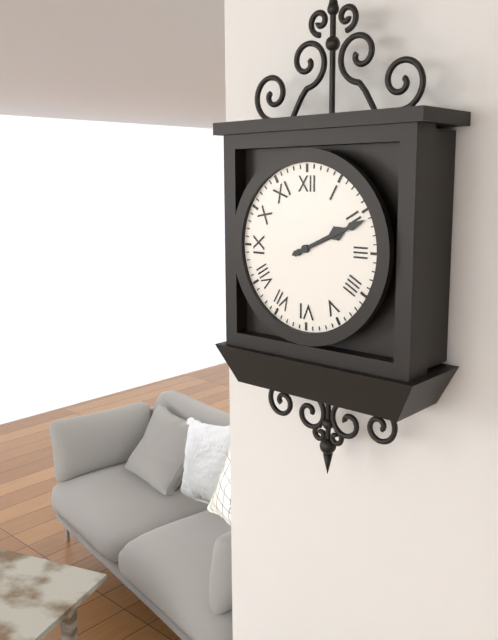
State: 2 h 11 min
